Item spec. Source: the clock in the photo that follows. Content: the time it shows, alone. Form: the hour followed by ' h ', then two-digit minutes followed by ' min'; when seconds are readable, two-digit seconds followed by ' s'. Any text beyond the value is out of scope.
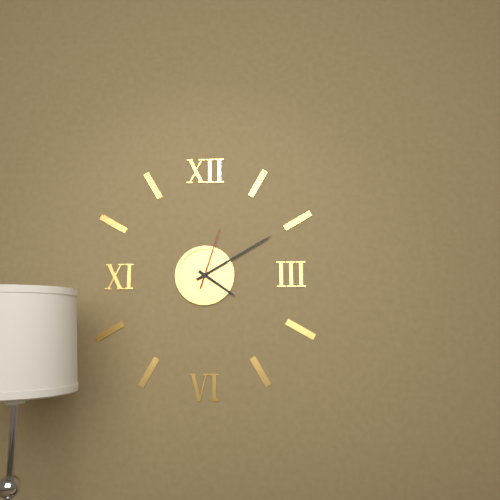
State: 4 h 10 min 03 s
